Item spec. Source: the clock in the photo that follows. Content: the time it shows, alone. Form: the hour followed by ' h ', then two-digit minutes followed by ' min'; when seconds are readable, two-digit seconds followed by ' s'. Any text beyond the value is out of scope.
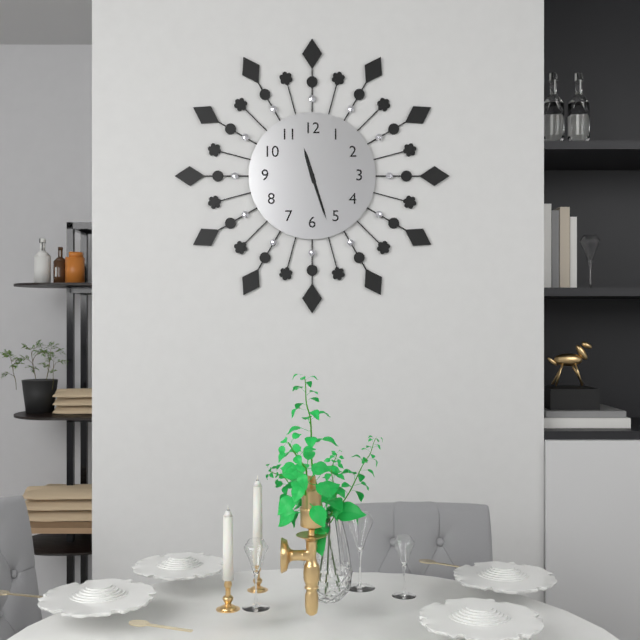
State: 11 h 27 min
